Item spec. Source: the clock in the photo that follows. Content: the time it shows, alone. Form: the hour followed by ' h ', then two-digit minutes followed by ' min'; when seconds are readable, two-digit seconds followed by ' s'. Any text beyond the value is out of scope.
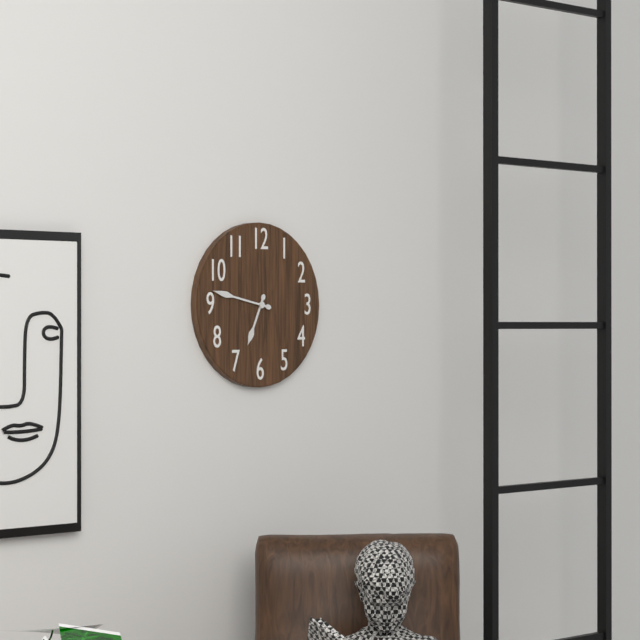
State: 6 h 47 min
